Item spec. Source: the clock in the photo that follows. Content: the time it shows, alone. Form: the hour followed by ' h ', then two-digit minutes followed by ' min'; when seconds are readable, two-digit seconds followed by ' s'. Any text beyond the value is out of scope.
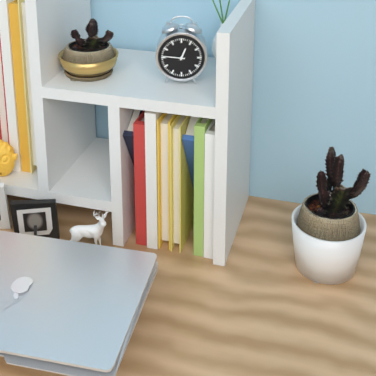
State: 12 h 46 min
